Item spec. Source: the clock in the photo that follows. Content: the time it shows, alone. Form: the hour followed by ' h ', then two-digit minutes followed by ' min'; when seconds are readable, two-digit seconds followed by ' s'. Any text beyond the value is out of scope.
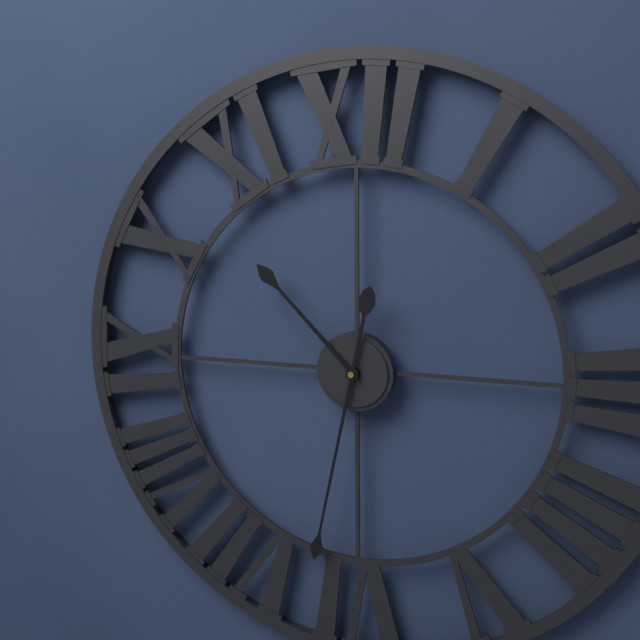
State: 10 h 32 min
